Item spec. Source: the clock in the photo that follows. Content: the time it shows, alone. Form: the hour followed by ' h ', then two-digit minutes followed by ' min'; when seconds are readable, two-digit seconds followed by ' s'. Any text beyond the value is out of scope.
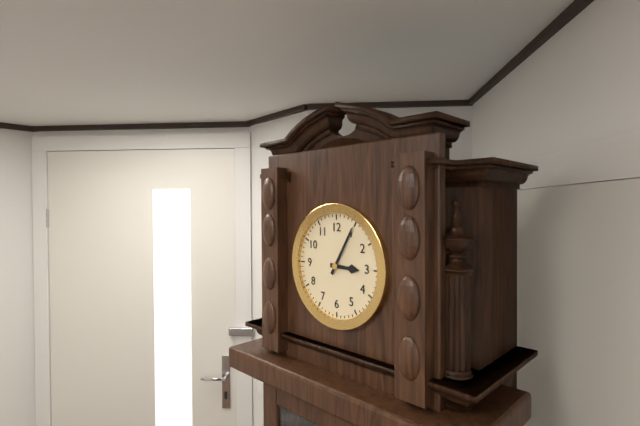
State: 3 h 05 min
